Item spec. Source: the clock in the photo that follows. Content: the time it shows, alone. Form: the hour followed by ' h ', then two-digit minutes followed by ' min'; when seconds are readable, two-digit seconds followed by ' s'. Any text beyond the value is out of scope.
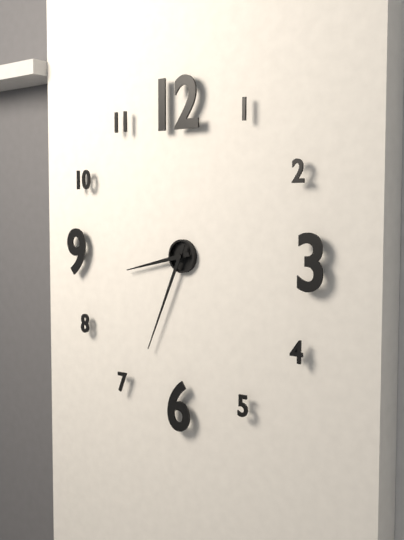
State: 8 h 34 min
